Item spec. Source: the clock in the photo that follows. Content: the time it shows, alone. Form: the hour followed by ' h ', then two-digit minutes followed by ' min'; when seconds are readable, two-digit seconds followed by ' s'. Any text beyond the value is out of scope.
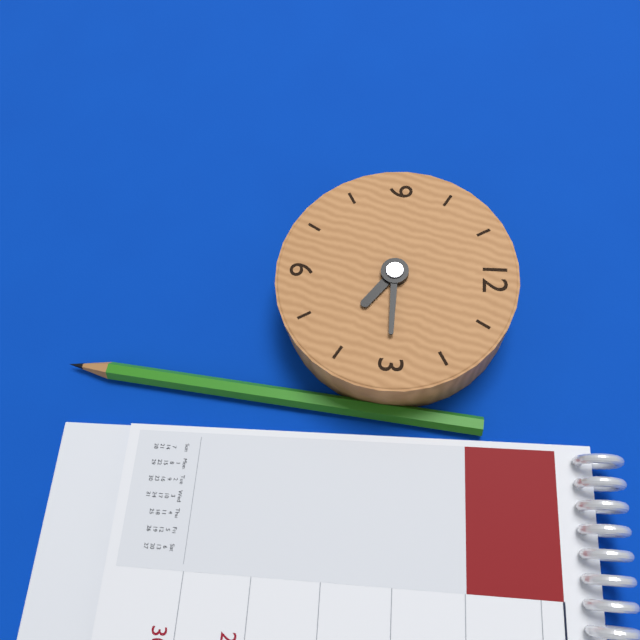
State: 4 h 15 min
